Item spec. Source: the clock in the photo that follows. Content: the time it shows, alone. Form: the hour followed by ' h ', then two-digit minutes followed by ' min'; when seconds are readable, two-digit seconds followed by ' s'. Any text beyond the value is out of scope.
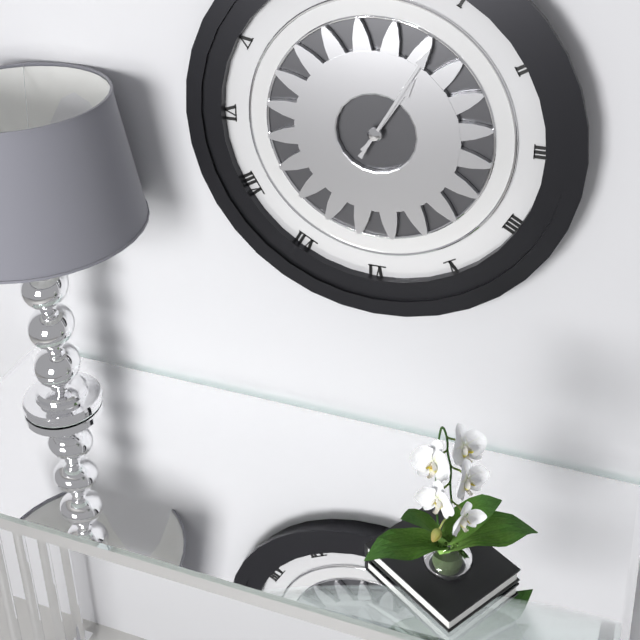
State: 1 h 05 min
